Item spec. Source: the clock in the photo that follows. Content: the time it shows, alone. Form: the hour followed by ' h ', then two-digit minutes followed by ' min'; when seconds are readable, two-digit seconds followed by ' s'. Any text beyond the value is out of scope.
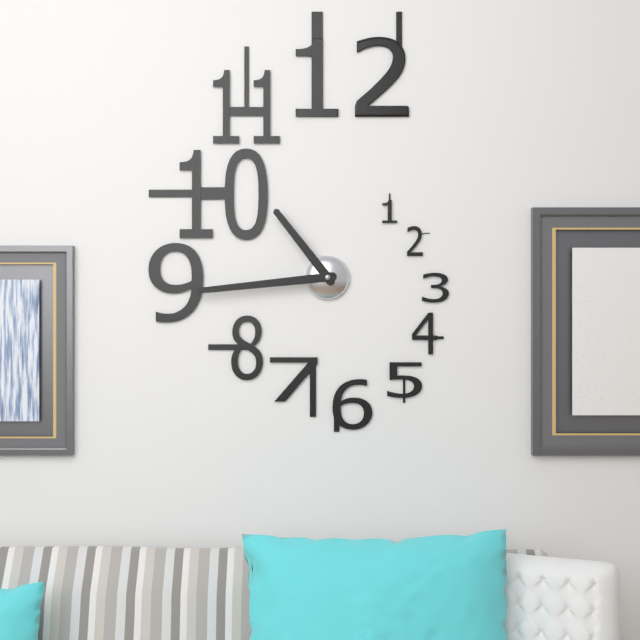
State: 10 h 44 min
